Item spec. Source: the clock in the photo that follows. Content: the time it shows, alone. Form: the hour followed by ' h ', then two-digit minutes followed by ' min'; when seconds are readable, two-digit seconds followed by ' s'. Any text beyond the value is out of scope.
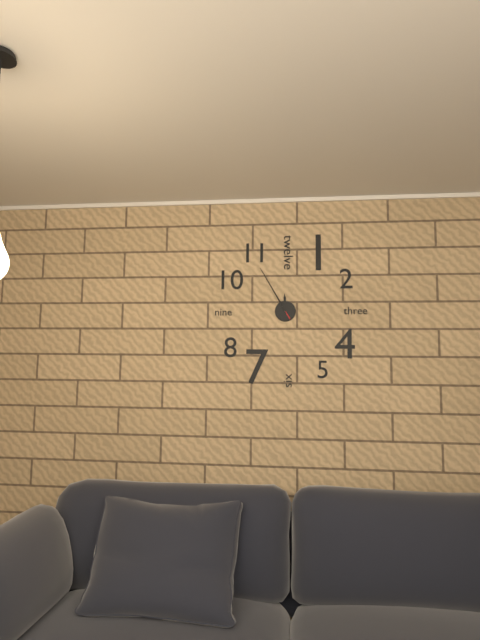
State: 11 h 55 min 55 s
